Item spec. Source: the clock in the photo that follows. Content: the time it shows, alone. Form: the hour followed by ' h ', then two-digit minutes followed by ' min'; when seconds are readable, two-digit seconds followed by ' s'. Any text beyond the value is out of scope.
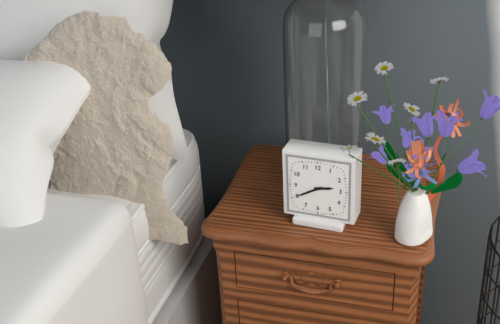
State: 2 h 40 min
